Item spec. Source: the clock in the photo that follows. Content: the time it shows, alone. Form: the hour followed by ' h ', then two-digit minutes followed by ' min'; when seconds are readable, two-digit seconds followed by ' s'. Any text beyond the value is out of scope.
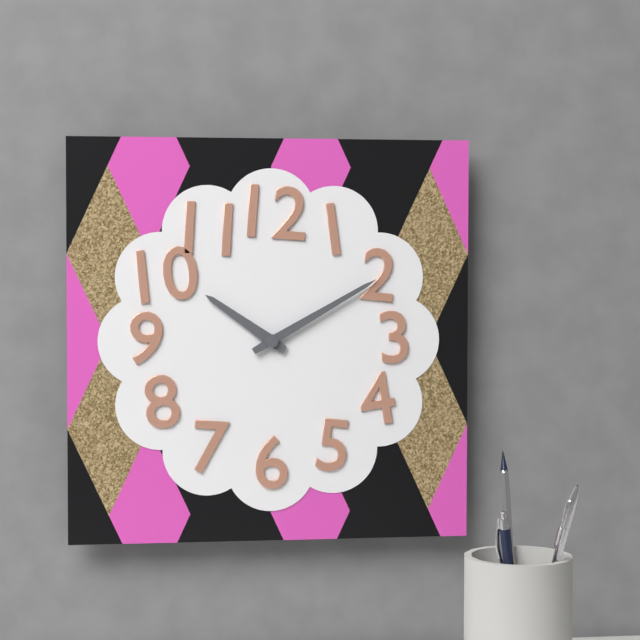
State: 10 h 10 min
